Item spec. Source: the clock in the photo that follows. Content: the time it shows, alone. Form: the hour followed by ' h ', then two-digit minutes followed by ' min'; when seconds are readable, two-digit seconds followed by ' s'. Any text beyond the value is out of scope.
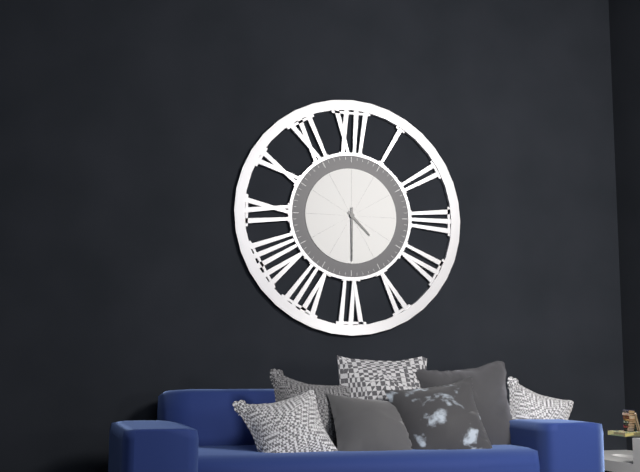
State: 4 h 30 min
